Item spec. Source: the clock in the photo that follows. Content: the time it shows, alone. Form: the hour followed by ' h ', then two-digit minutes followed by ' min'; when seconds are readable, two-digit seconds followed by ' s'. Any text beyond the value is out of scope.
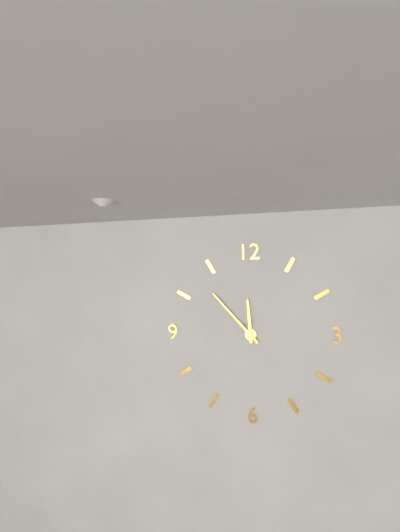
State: 11 h 53 min
